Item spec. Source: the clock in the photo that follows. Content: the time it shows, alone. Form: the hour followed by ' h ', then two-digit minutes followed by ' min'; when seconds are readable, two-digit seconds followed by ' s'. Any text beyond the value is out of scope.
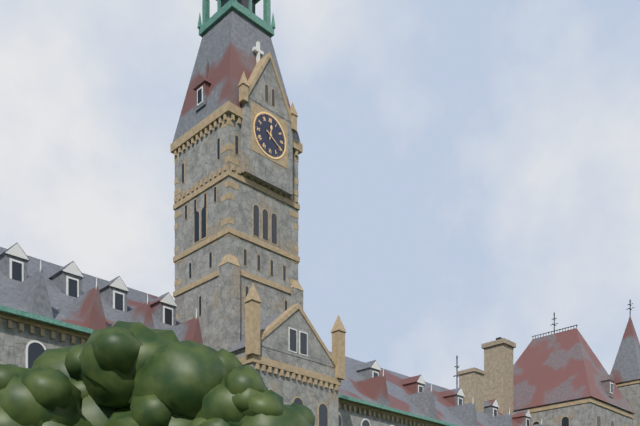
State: 12 h 20 min
